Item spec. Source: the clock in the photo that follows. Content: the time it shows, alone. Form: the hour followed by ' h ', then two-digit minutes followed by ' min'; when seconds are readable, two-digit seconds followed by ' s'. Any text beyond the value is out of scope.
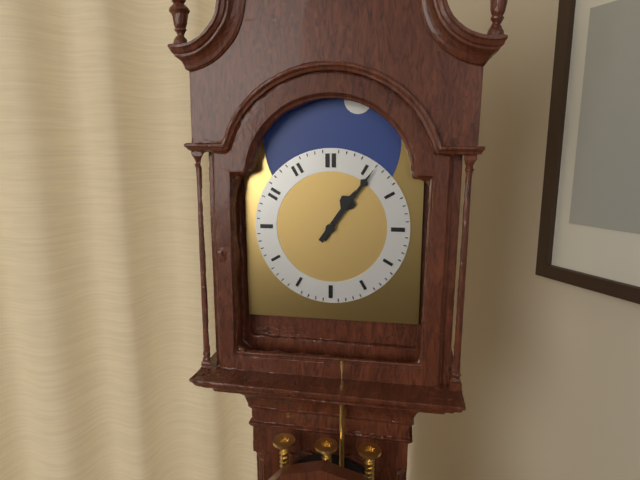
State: 1 h 06 min
